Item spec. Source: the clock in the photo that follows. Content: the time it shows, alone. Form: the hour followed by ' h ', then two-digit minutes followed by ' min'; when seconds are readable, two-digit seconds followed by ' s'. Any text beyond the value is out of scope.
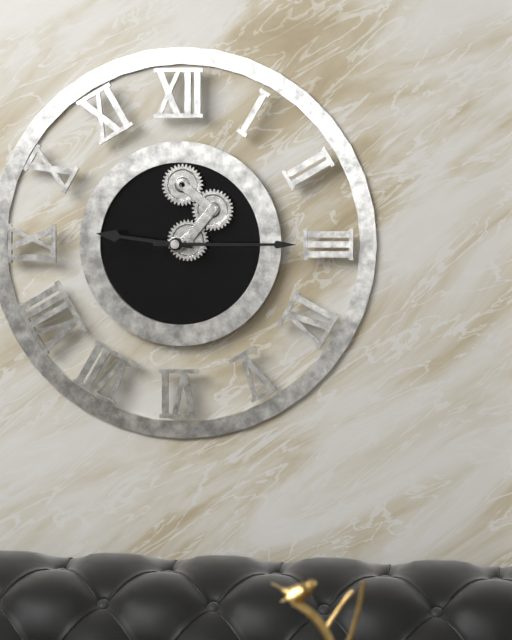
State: 9 h 15 min
